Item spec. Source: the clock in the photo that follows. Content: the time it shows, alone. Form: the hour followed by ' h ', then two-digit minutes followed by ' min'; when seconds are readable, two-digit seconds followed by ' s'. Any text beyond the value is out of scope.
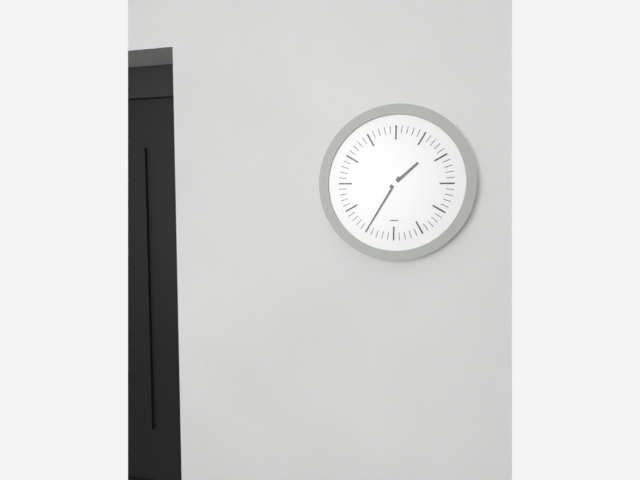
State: 1 h 35 min
